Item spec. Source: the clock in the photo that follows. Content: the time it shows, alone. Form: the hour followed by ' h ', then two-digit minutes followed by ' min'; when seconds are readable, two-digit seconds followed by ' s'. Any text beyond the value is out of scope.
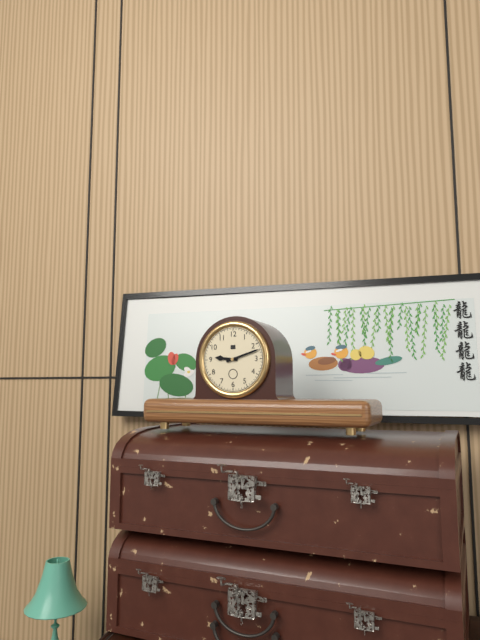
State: 9 h 12 min
